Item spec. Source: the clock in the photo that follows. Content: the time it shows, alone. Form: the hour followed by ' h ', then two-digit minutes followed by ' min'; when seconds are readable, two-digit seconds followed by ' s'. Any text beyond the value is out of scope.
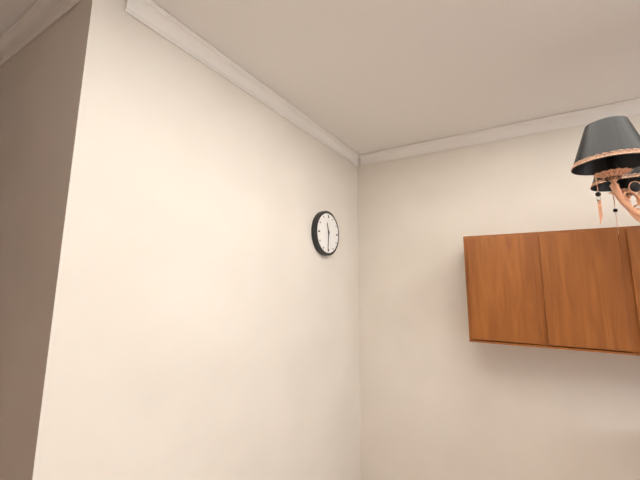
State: 11 h 31 min
